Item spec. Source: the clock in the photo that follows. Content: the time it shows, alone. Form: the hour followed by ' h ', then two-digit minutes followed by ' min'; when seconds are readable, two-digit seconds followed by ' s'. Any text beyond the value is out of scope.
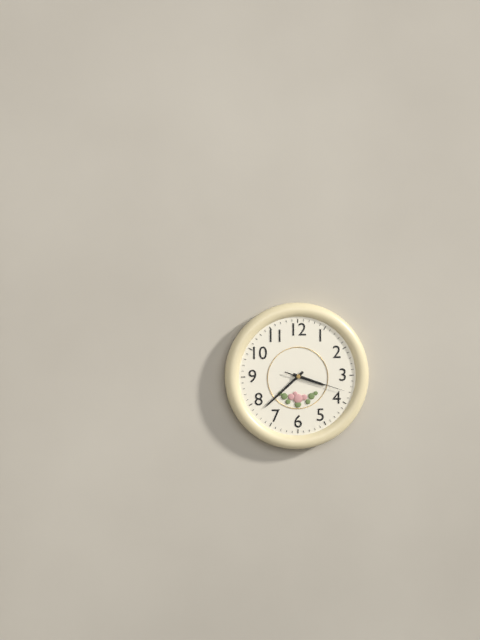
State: 3 h 38 min 18 s
